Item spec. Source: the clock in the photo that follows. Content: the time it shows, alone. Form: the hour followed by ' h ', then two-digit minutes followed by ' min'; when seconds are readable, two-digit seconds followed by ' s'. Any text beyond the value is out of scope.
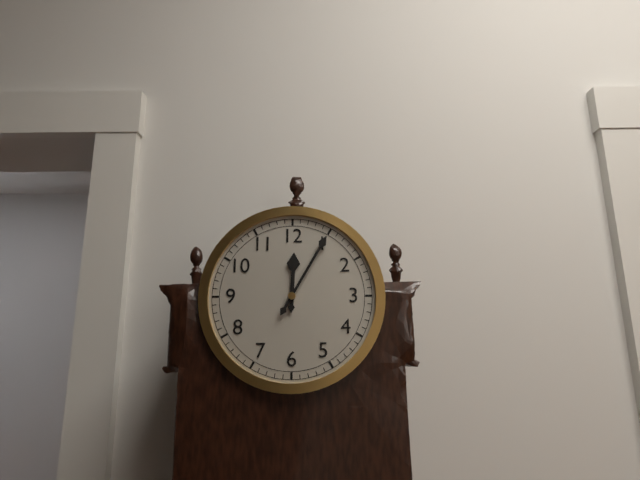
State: 12 h 05 min
